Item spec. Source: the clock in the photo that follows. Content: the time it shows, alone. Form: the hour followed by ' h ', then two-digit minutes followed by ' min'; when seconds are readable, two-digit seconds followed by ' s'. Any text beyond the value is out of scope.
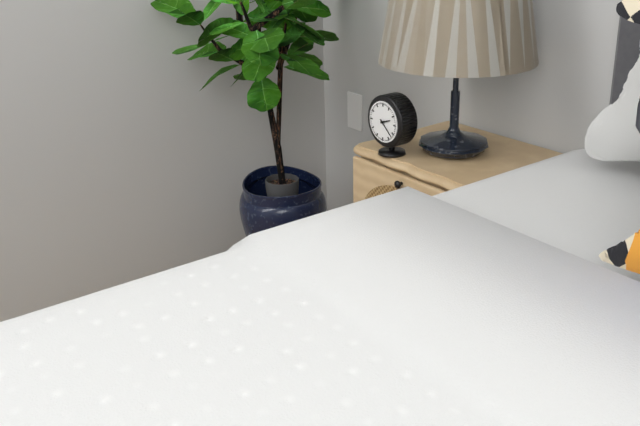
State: 2 h 22 min
